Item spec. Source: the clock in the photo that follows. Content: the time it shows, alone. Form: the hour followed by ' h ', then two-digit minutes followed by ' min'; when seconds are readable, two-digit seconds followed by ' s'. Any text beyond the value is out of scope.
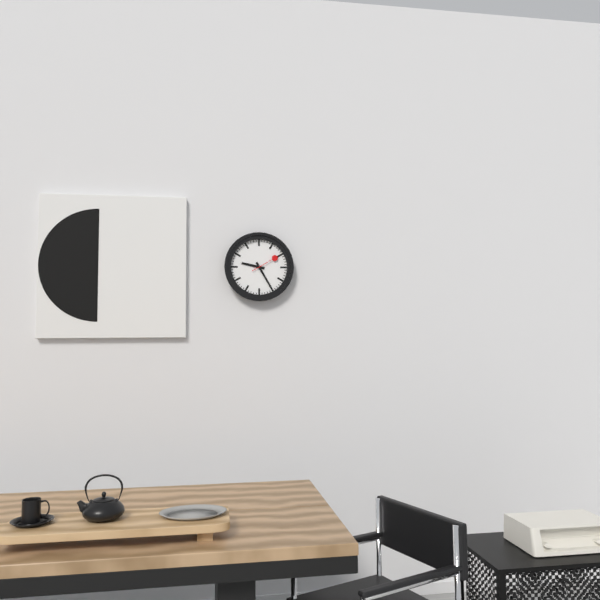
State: 9 h 25 min
